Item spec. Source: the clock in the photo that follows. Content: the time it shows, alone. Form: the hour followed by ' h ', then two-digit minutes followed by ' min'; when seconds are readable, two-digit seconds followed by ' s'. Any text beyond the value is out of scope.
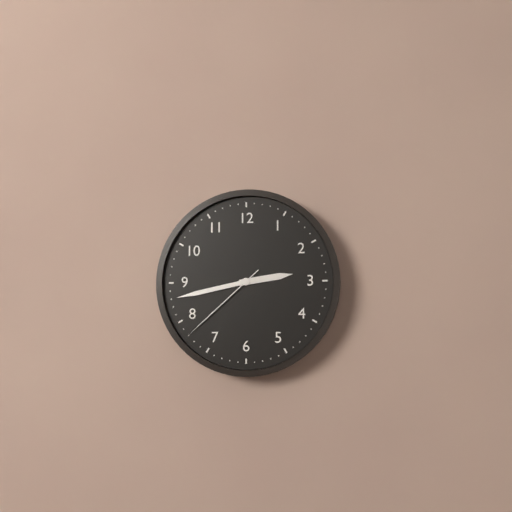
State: 2 h 43 min 38 s
